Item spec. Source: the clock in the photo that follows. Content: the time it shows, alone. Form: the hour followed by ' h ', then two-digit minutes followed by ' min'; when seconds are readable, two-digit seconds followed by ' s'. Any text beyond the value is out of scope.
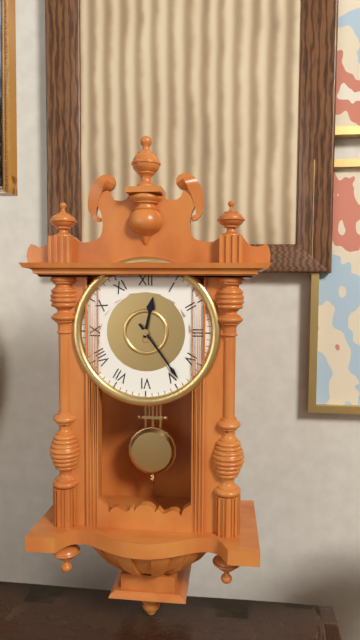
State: 12 h 24 min
